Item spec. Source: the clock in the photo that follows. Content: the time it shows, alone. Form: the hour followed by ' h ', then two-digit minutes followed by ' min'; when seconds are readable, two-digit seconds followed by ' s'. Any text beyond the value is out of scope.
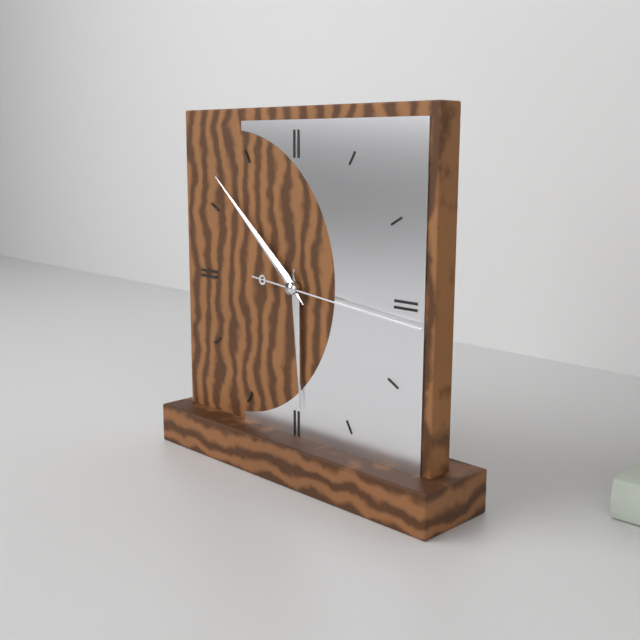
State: 5 h 52 min 16 s
